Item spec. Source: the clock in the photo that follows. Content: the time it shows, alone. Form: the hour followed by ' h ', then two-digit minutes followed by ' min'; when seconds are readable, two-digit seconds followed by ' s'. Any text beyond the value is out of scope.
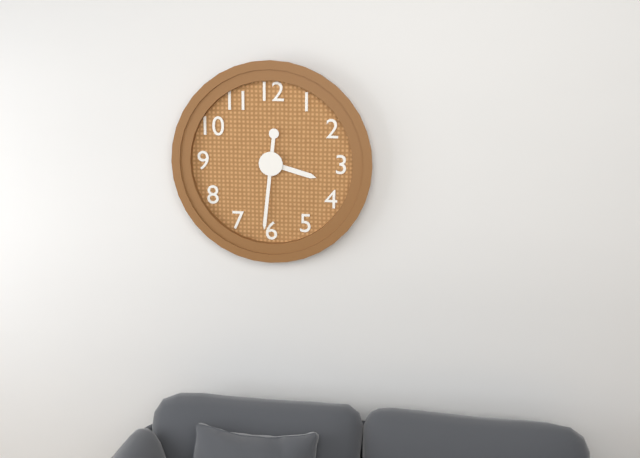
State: 3 h 31 min
